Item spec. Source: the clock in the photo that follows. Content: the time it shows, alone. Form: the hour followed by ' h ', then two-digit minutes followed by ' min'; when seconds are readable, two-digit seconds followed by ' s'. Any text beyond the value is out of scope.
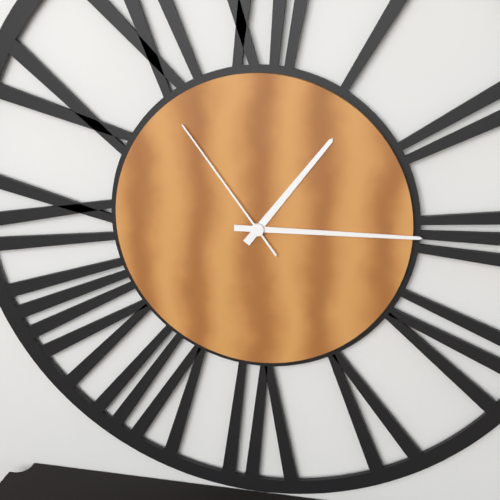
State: 1 h 15 min 54 s
